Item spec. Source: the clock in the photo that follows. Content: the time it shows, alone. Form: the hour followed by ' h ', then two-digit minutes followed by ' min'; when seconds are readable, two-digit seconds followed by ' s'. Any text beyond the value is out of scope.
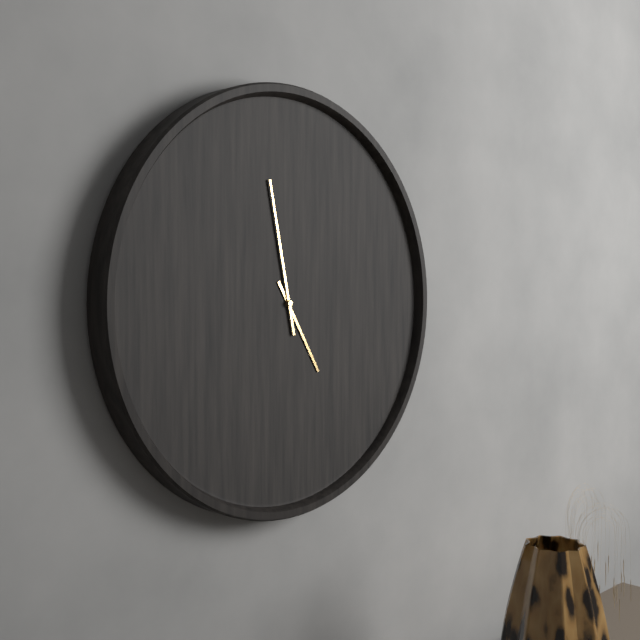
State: 4 h 58 min
